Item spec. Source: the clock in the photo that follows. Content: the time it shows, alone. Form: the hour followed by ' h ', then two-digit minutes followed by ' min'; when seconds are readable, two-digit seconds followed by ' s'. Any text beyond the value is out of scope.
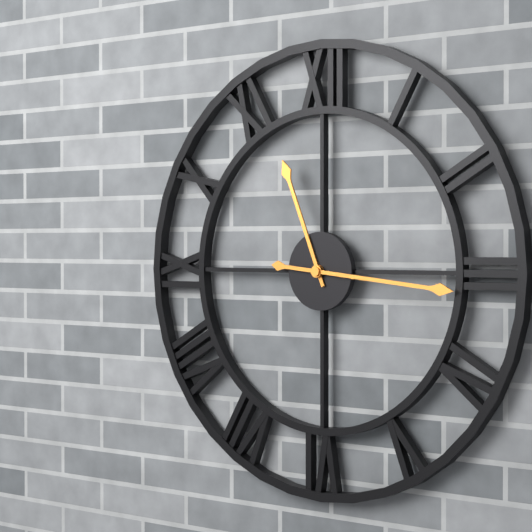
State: 11 h 16 min
